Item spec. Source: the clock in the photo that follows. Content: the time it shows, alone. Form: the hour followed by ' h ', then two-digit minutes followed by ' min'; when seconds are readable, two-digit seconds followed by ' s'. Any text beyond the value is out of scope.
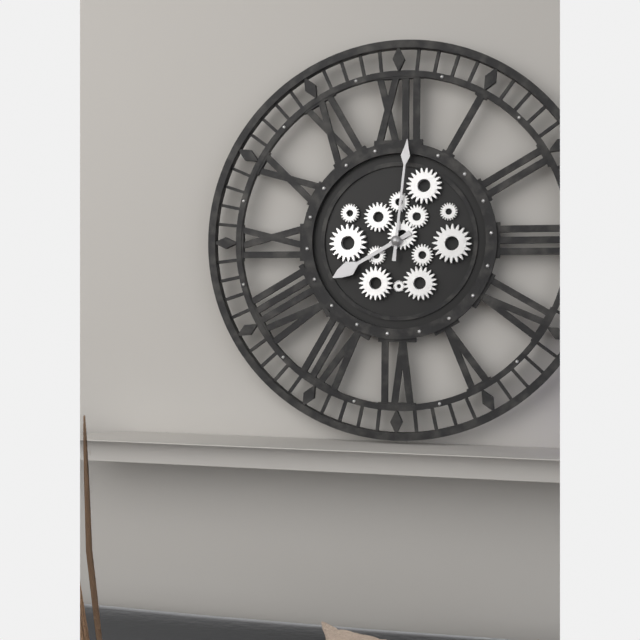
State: 8 h 01 min
